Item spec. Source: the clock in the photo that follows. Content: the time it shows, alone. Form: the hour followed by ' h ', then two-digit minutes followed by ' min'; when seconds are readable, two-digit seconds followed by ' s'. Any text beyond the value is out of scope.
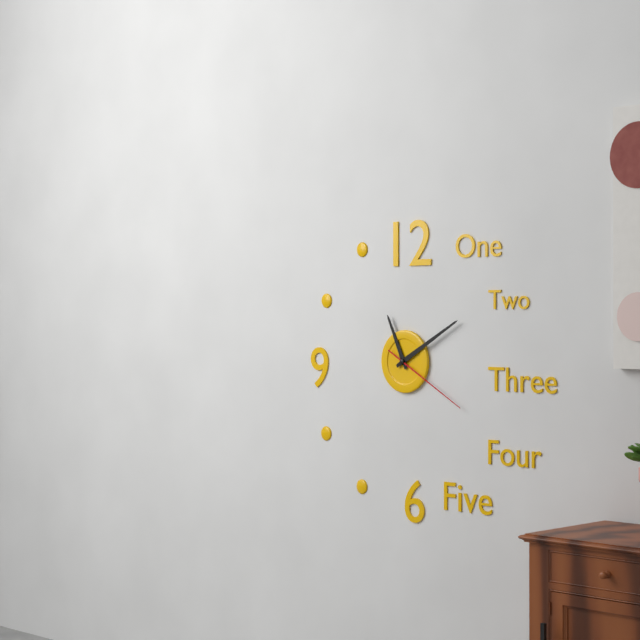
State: 11 h 10 min 20 s
